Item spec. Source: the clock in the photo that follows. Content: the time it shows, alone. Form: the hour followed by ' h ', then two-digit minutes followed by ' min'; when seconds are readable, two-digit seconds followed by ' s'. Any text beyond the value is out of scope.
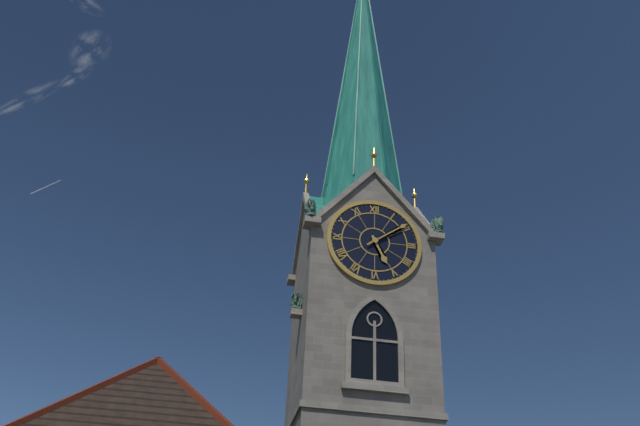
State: 5 h 09 min
